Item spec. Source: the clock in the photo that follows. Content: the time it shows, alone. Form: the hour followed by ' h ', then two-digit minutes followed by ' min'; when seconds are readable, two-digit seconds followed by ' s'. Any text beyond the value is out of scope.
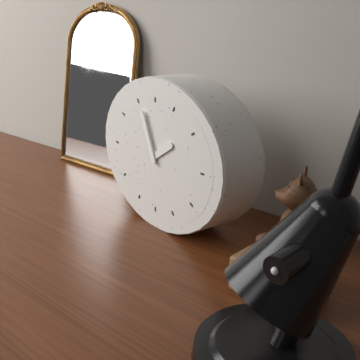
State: 1 h 56 min
